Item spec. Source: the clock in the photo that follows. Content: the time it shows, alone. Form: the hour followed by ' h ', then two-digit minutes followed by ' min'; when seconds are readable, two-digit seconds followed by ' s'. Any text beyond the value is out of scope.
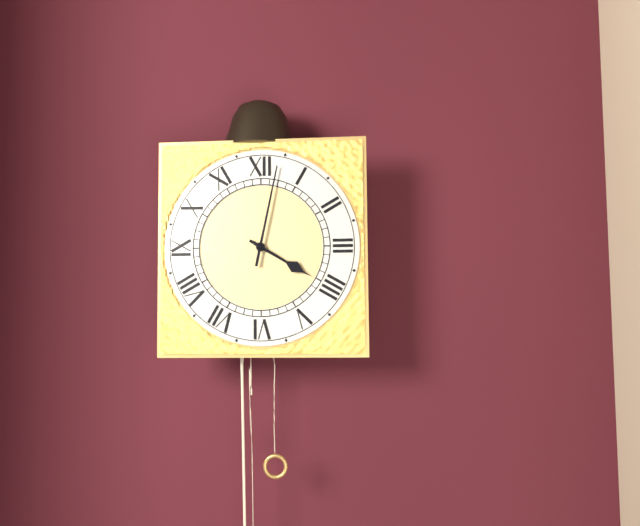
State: 4 h 02 min
